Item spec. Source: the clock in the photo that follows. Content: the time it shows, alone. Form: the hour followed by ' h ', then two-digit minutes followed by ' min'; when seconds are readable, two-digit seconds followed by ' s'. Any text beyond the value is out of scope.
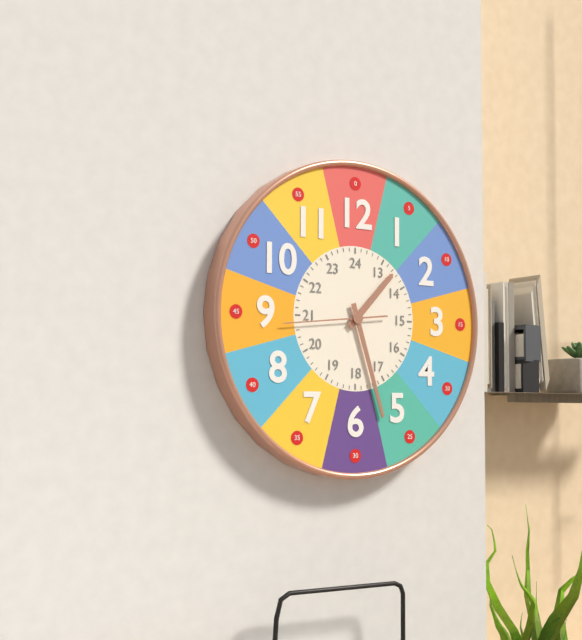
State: 1 h 27 min 44 s
